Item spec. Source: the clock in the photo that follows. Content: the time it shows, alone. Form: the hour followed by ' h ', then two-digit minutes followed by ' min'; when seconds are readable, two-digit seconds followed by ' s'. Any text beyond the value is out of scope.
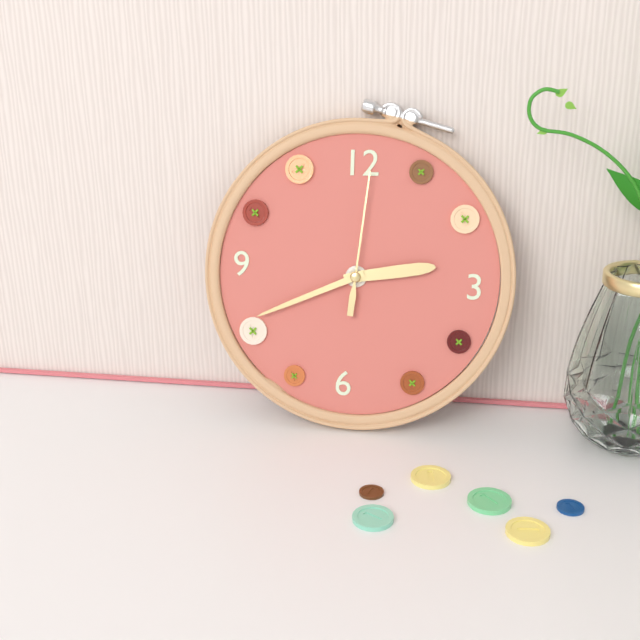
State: 2 h 41 min 01 s
